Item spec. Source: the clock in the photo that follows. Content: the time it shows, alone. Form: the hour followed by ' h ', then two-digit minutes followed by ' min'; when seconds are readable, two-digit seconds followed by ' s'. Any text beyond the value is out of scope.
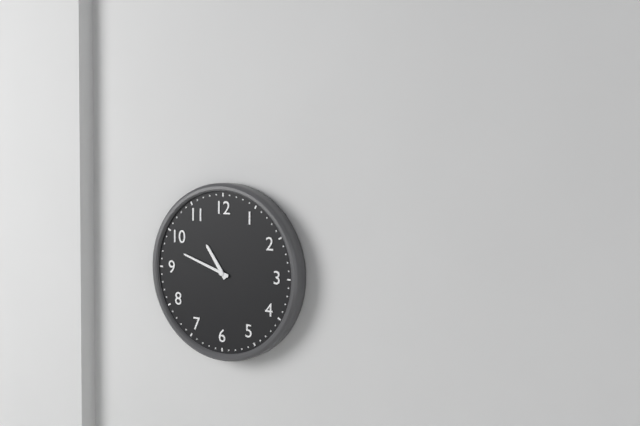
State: 10 h 48 min
